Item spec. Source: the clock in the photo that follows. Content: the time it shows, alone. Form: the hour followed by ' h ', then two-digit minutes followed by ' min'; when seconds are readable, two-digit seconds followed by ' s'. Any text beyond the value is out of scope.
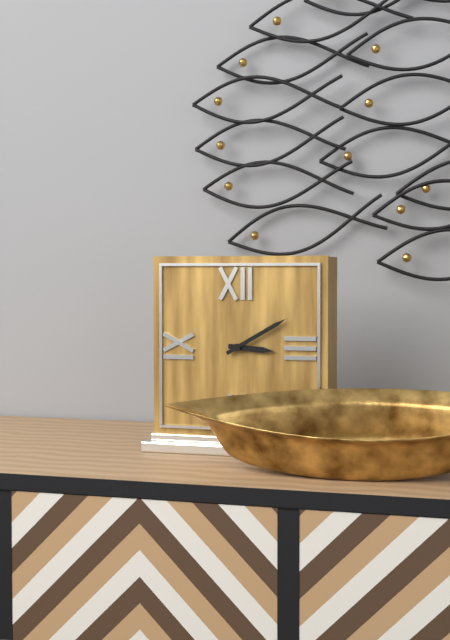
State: 3 h 10 min
